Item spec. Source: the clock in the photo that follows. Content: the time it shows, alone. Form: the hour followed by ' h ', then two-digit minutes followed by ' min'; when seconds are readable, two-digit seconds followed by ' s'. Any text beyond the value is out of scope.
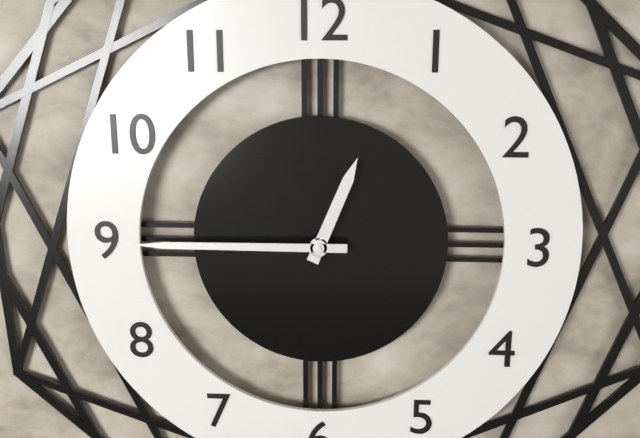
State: 12 h 45 min
